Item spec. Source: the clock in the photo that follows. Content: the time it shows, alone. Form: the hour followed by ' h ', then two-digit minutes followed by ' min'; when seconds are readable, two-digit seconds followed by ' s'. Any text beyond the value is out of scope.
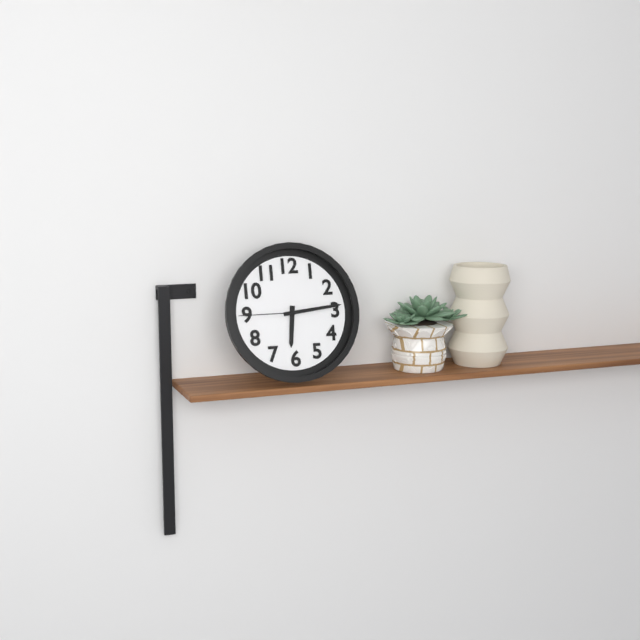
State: 6 h 14 min 45 s
